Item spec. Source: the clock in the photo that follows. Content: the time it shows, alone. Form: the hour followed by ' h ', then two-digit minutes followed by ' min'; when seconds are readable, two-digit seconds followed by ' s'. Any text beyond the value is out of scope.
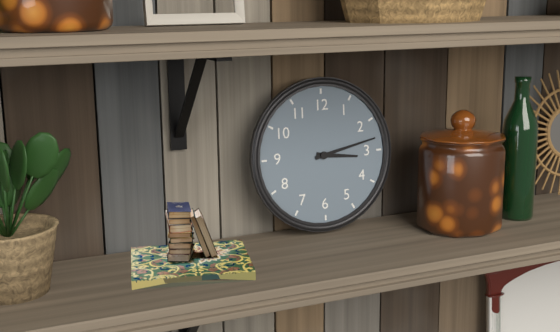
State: 3 h 13 min
